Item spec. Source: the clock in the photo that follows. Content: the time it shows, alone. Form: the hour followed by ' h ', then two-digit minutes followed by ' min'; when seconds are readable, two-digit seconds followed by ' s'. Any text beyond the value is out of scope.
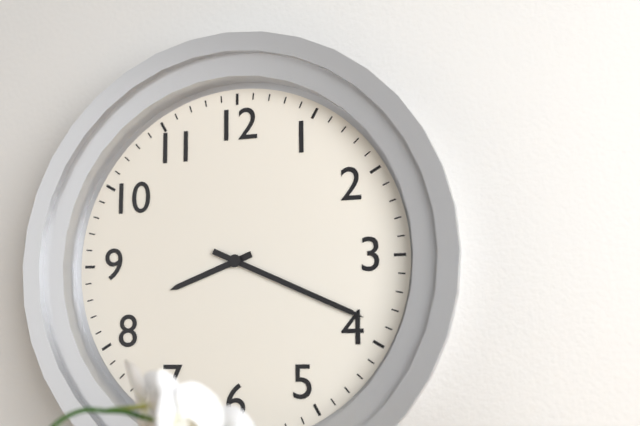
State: 8 h 19 min
